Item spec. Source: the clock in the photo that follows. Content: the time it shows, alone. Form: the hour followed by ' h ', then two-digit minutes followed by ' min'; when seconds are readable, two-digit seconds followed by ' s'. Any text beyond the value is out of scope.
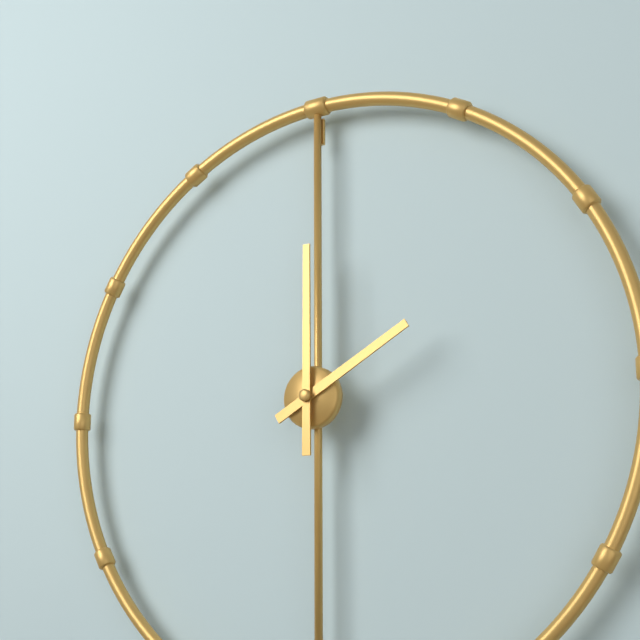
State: 2 h 00 min
